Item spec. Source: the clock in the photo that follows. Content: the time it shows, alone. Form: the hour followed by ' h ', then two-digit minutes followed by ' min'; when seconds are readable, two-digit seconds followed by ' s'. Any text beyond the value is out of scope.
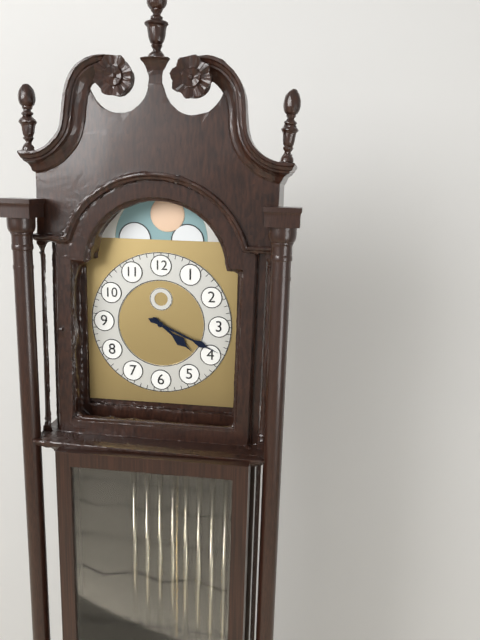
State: 4 h 19 min
